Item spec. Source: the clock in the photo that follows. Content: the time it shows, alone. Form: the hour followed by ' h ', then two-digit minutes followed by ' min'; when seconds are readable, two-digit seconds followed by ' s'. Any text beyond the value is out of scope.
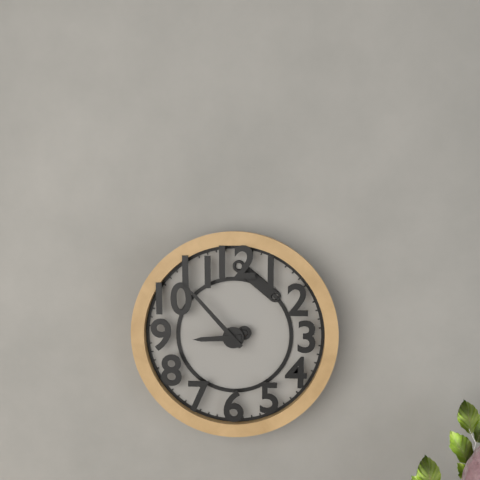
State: 8 h 53 min
